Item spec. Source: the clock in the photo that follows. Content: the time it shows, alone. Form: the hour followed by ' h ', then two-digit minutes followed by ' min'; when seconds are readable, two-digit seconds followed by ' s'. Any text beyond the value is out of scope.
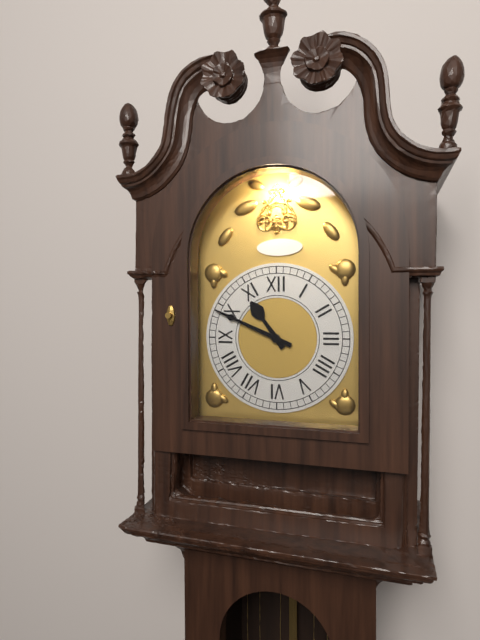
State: 10 h 49 min
